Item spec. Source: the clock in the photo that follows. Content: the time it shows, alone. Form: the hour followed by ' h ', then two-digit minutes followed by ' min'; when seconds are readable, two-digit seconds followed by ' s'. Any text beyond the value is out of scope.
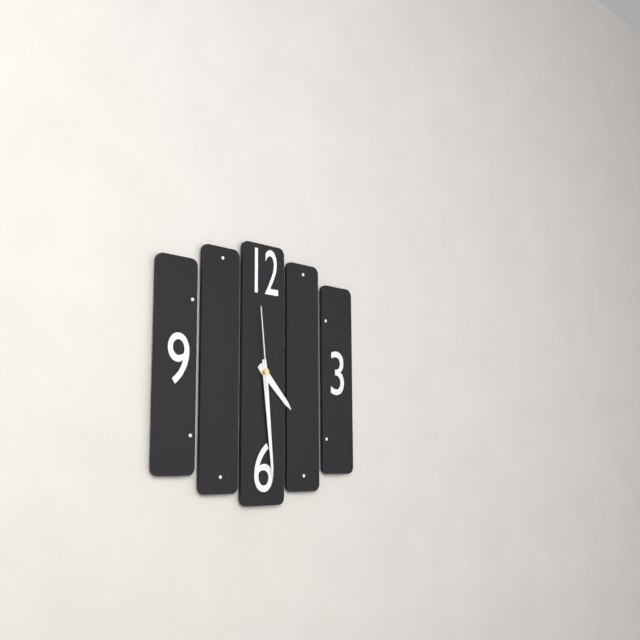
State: 4 h 29 min 59 s
